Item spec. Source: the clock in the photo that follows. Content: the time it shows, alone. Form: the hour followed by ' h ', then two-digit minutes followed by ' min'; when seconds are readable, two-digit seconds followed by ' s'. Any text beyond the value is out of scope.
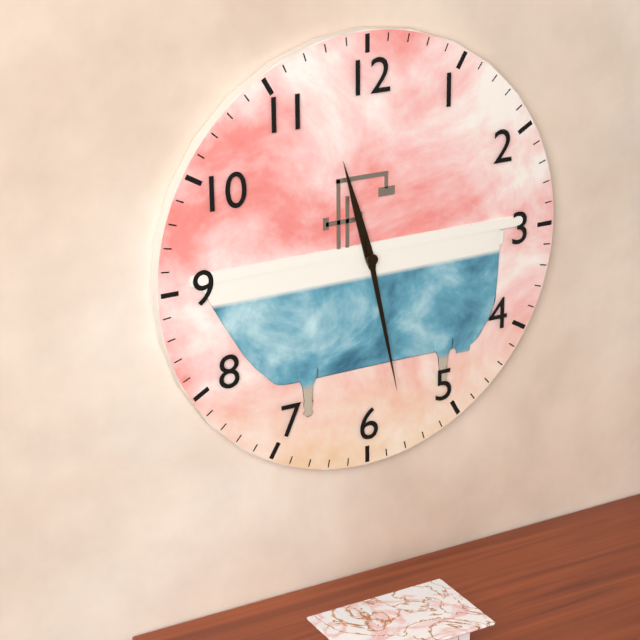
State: 11 h 28 min
